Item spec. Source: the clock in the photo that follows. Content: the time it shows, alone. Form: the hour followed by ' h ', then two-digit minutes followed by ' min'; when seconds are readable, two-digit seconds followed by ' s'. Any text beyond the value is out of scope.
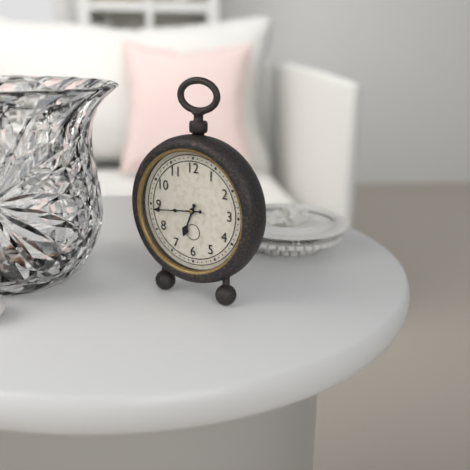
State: 6 h 44 min
